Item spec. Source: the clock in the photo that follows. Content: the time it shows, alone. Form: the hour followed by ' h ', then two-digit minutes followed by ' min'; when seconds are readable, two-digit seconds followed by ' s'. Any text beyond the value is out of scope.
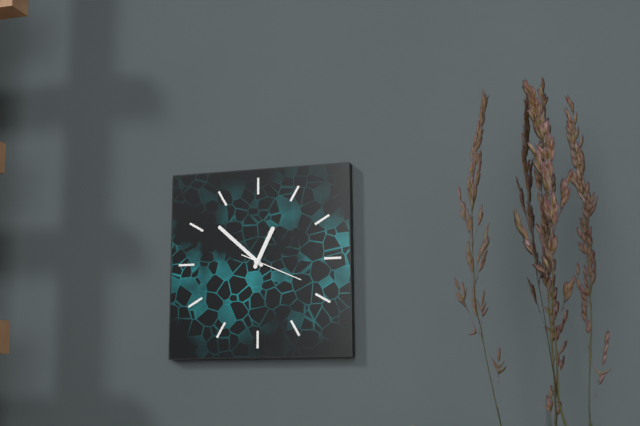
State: 12 h 52 min 19 s
